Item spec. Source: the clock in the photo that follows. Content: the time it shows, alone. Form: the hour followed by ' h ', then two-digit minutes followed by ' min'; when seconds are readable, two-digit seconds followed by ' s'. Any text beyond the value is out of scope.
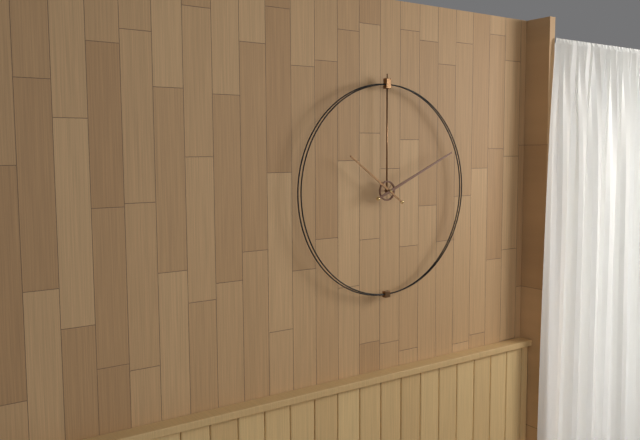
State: 10 h 11 min
